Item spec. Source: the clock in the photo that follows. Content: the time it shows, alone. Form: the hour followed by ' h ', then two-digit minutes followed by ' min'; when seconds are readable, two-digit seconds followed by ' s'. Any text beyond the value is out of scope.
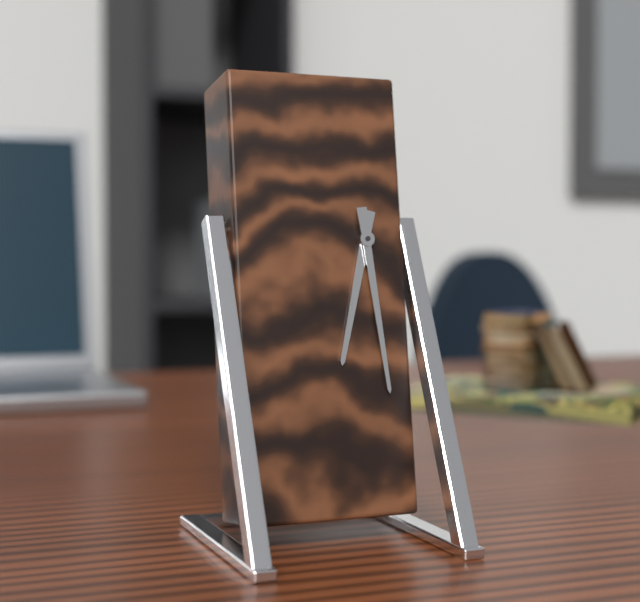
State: 6 h 29 min
